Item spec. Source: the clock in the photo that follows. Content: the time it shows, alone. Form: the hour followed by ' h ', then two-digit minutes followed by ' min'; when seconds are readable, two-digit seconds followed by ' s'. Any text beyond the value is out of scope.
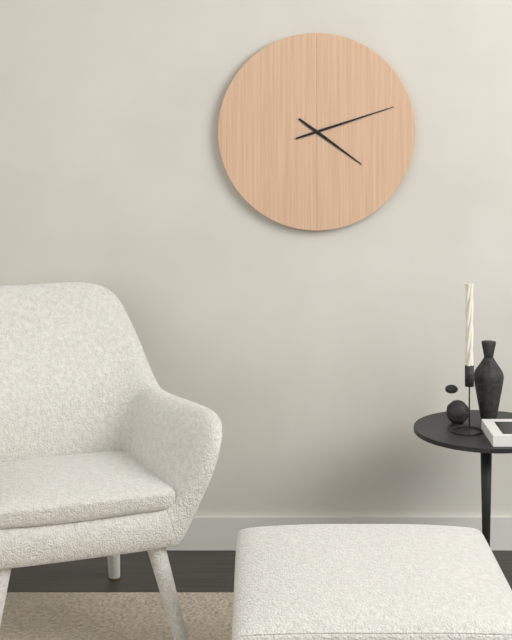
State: 4 h 12 min
